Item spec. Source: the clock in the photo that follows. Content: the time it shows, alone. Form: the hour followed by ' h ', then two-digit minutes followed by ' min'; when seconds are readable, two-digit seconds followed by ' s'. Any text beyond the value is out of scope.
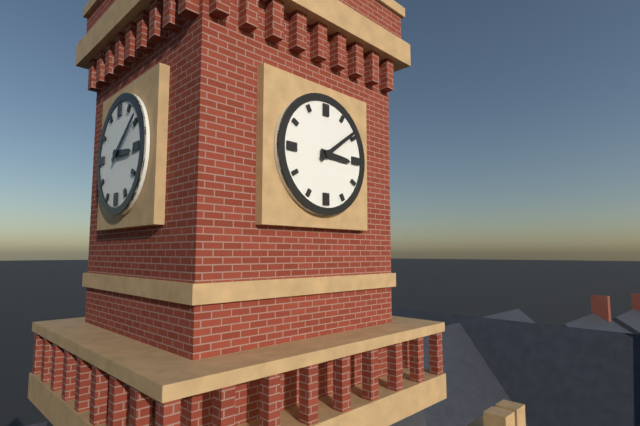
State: 3 h 09 min
